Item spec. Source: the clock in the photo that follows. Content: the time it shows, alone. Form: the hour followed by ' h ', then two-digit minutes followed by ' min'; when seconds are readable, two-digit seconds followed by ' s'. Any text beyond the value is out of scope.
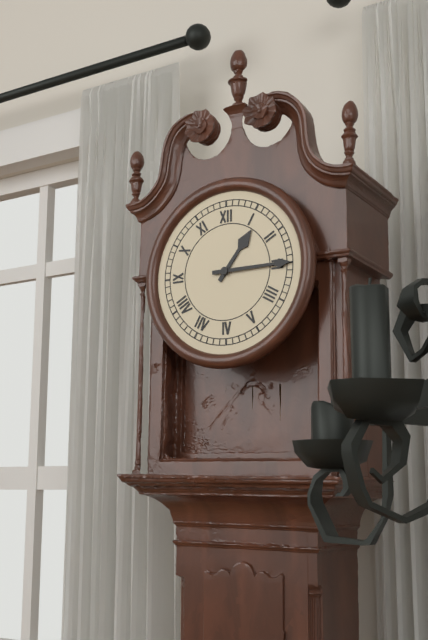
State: 1 h 15 min
